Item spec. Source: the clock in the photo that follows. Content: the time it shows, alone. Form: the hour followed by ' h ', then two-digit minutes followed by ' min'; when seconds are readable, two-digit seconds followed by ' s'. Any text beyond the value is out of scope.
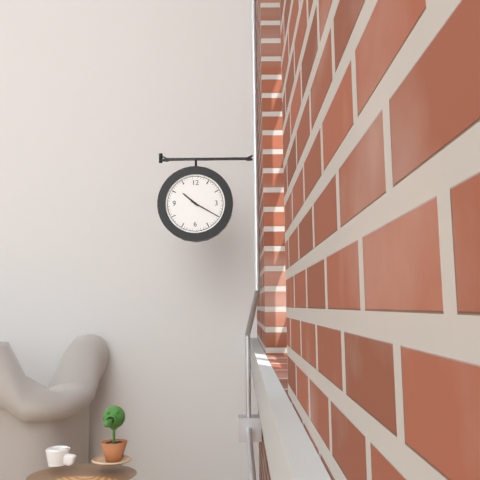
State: 10 h 20 min
